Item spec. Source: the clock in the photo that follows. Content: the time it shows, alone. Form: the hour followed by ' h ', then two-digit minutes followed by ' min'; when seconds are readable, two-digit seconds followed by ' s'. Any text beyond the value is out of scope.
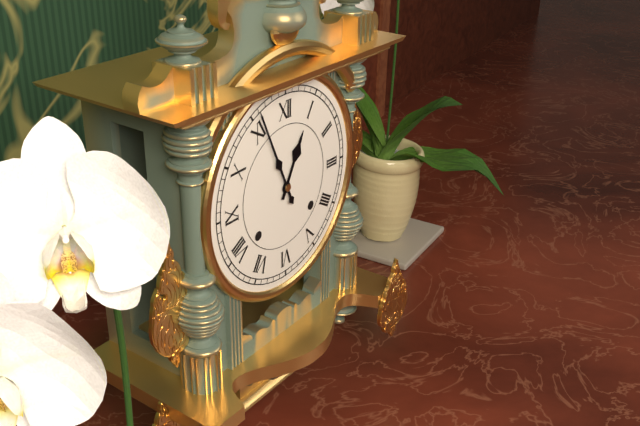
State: 12 h 56 min
